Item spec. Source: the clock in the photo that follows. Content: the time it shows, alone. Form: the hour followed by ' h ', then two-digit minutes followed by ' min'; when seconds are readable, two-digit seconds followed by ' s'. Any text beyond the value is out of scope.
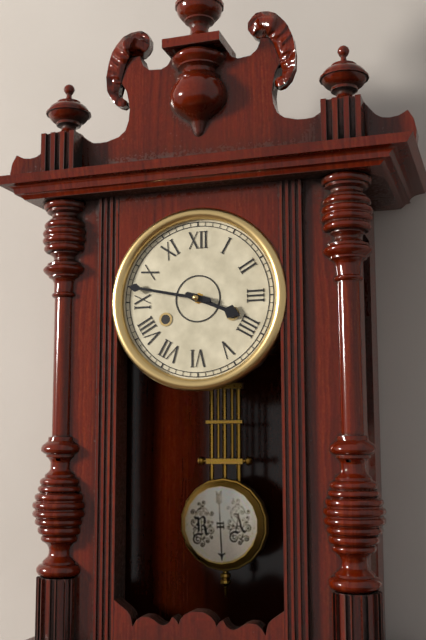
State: 3 h 47 min
